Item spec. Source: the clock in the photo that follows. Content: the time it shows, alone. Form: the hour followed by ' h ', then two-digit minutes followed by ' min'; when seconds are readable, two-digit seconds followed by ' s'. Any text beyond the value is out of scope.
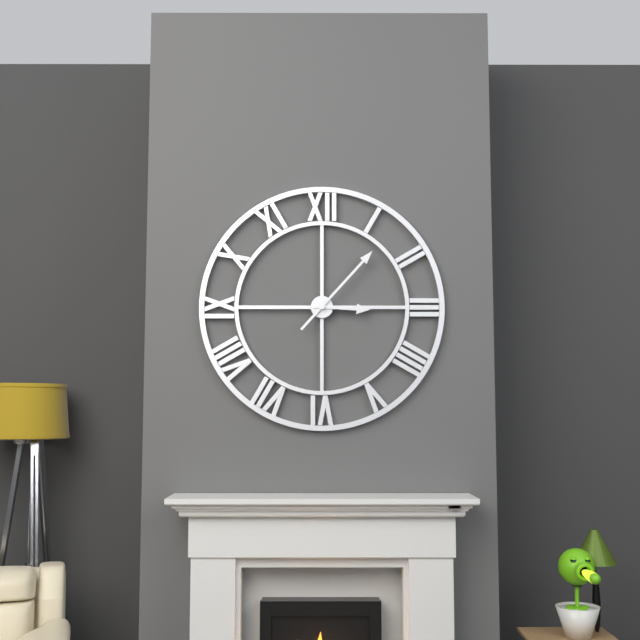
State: 3 h 07 min
